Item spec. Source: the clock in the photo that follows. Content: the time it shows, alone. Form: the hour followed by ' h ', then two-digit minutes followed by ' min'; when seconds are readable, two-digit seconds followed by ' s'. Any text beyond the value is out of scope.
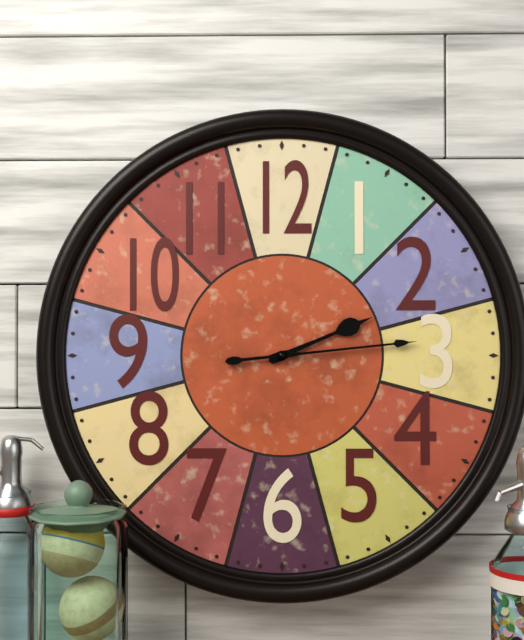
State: 2 h 14 min
